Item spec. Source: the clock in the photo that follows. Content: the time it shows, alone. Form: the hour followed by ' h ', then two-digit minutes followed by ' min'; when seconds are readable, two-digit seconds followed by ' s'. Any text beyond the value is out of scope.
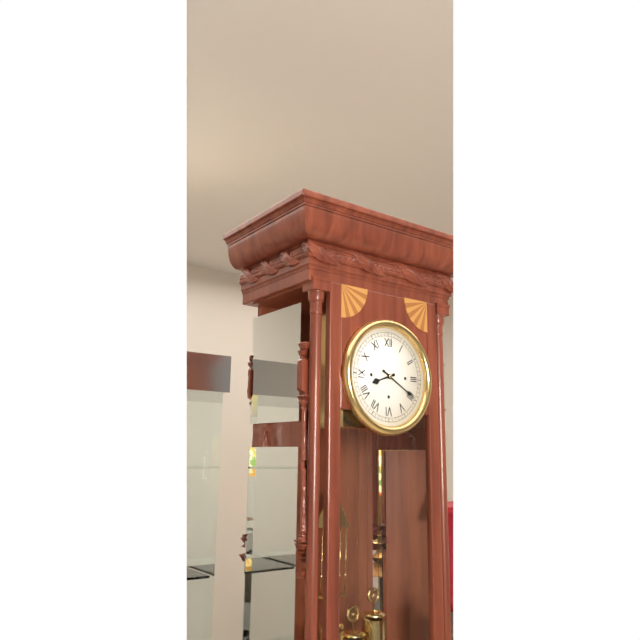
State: 8 h 20 min
